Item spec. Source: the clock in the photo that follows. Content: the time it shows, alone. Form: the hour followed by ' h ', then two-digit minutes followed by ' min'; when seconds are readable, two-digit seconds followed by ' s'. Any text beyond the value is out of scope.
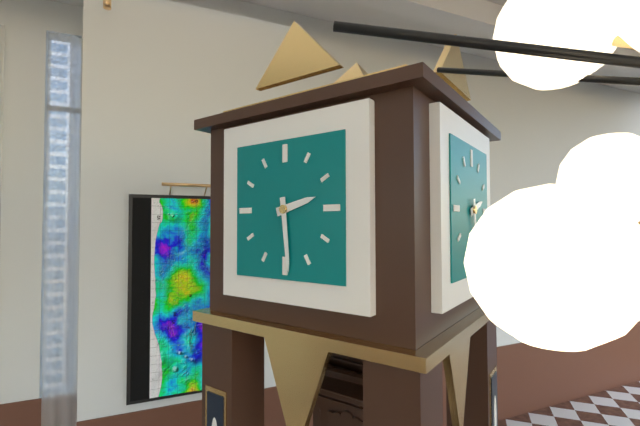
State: 2 h 29 min
